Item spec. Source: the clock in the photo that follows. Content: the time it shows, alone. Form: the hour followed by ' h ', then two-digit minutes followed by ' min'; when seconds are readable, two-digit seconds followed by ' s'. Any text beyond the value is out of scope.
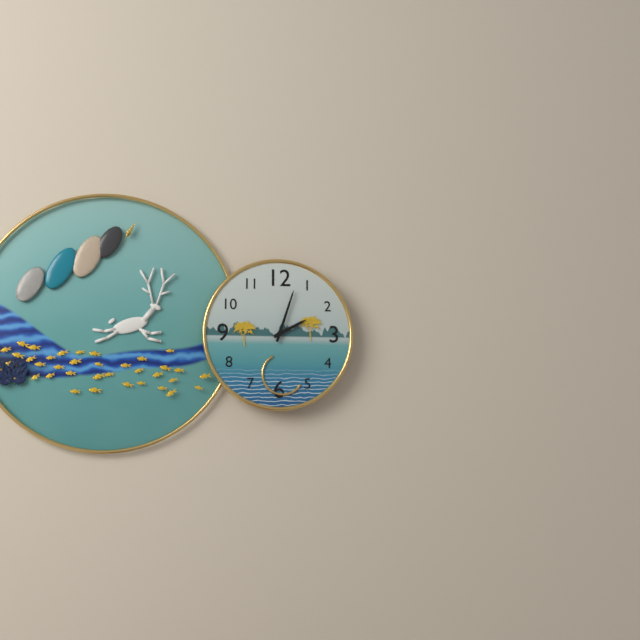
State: 2 h 03 min
